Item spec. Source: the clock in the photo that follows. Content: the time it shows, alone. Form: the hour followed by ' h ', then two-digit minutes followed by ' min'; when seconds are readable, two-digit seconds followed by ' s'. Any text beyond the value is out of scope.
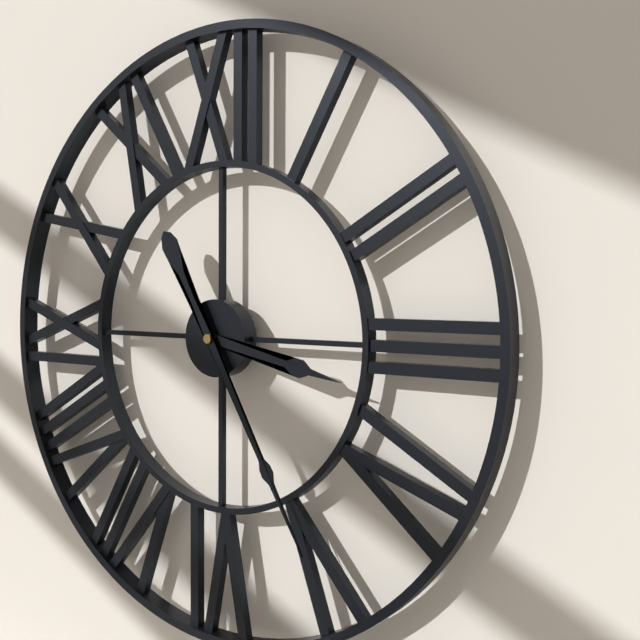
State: 3 h 25 min
